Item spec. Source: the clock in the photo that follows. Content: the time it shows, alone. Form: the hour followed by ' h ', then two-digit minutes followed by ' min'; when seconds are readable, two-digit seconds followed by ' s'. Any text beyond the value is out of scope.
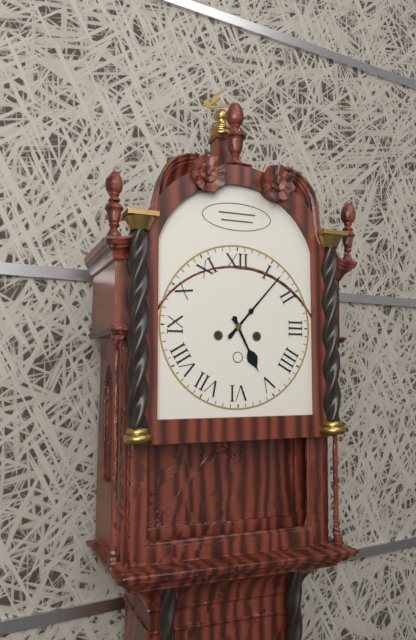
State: 5 h 07 min
